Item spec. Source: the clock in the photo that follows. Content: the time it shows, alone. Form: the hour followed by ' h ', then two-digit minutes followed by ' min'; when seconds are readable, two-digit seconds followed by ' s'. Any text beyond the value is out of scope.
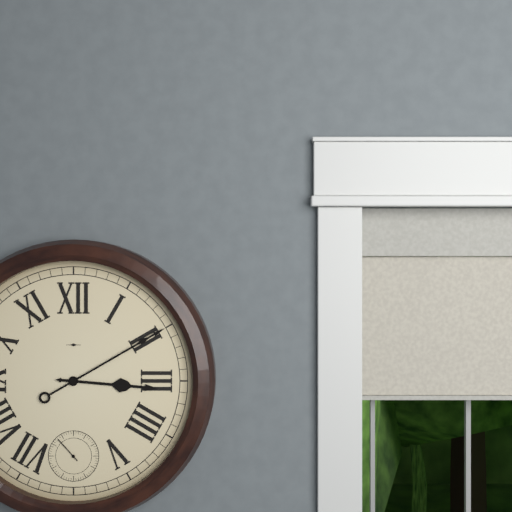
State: 3 h 10 min
